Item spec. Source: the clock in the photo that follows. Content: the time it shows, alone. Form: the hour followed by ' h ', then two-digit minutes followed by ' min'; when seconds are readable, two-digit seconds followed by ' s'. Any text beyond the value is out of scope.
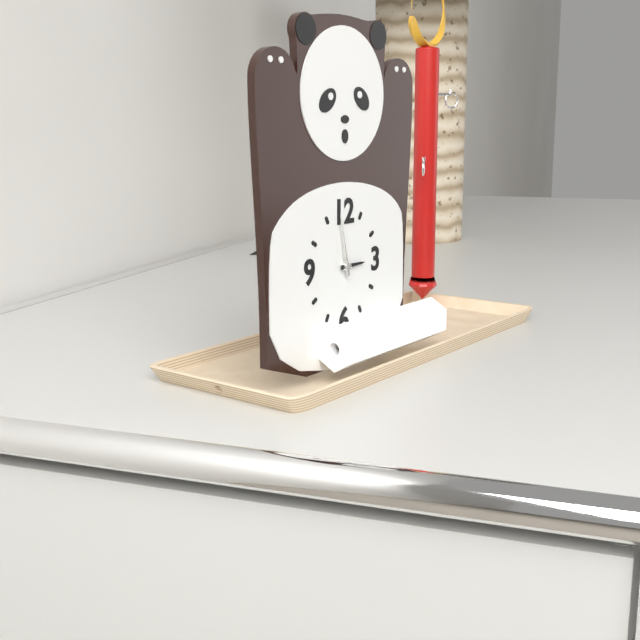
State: 2 h 58 min
